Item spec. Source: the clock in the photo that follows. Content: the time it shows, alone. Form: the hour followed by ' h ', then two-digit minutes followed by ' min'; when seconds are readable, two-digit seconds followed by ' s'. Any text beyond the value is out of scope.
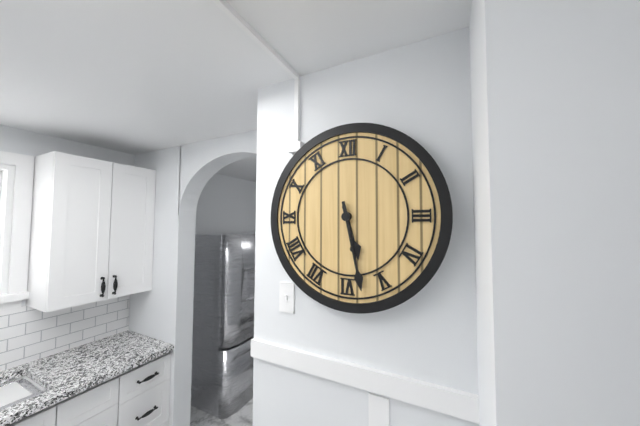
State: 5 h 28 min
